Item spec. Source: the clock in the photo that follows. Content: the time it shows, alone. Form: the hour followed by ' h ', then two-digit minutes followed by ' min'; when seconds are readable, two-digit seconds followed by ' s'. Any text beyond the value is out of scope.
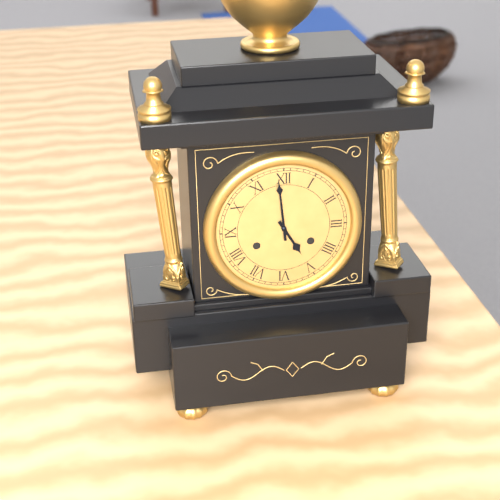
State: 4 h 59 min
